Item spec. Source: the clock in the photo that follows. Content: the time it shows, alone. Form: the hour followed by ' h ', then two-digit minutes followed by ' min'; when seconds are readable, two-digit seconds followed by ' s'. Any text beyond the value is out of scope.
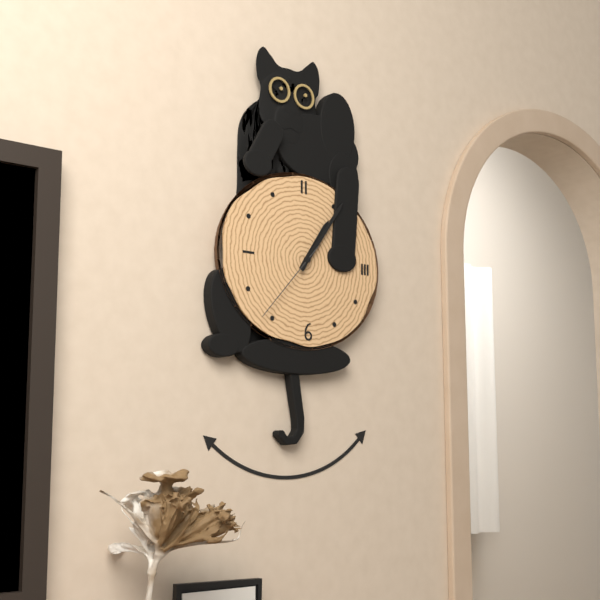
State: 1 h 06 min 37 s
